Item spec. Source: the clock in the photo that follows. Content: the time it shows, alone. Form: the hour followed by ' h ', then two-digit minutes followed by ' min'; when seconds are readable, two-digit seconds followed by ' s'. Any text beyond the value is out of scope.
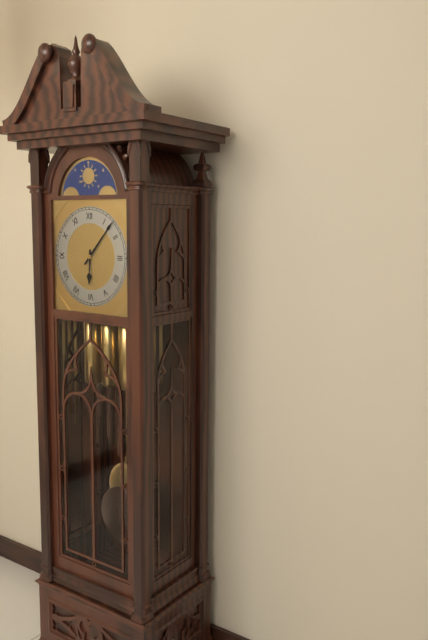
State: 6 h 07 min
